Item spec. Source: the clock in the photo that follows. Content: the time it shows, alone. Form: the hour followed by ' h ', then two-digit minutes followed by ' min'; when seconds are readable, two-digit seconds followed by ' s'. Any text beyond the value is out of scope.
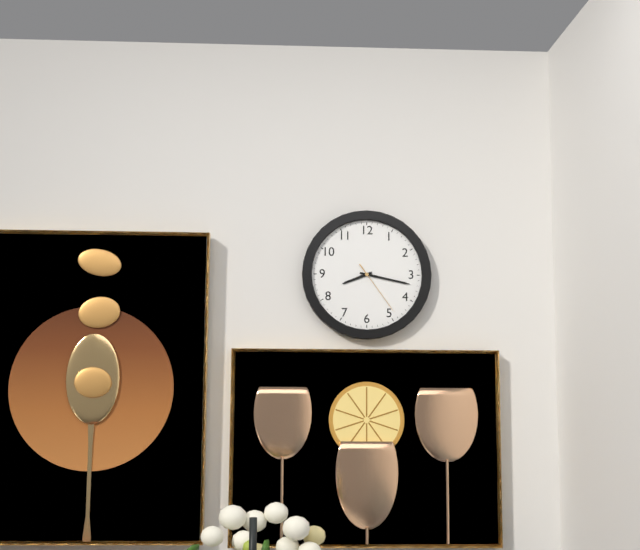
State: 8 h 17 min 24 s
